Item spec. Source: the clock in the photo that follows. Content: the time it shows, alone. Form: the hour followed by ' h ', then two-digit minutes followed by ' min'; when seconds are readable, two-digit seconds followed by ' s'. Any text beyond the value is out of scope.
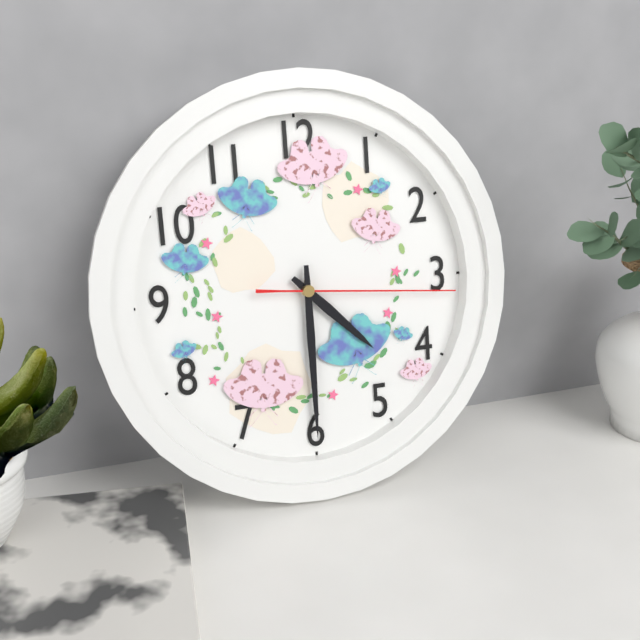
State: 4 h 30 min 16 s
